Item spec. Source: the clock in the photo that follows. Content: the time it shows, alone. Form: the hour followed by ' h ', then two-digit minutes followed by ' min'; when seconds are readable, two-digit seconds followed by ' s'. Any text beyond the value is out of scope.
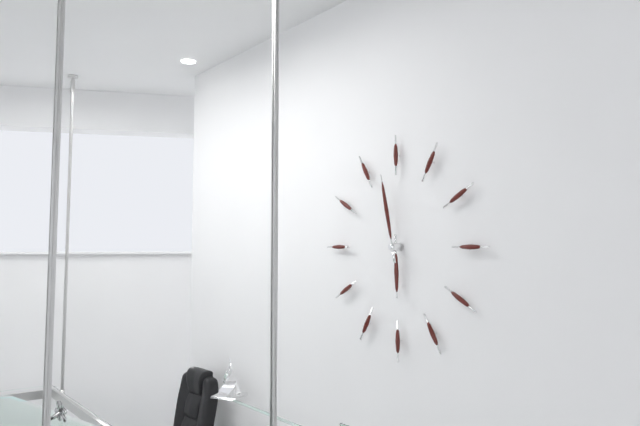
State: 5 h 58 min
